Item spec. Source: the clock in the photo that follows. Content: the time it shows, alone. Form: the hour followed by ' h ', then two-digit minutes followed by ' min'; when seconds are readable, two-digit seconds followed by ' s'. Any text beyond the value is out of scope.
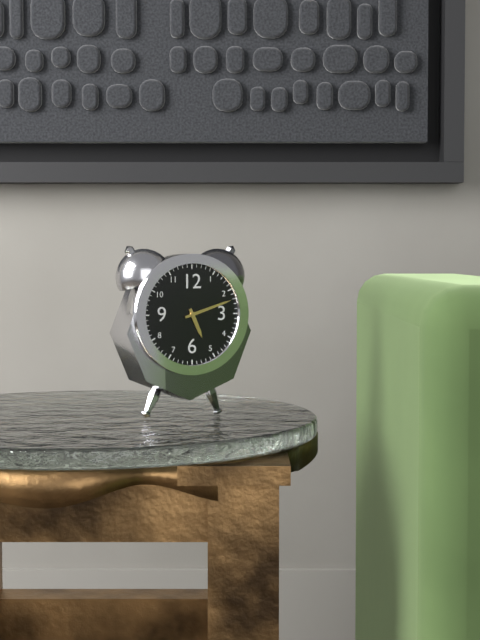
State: 5 h 12 min
